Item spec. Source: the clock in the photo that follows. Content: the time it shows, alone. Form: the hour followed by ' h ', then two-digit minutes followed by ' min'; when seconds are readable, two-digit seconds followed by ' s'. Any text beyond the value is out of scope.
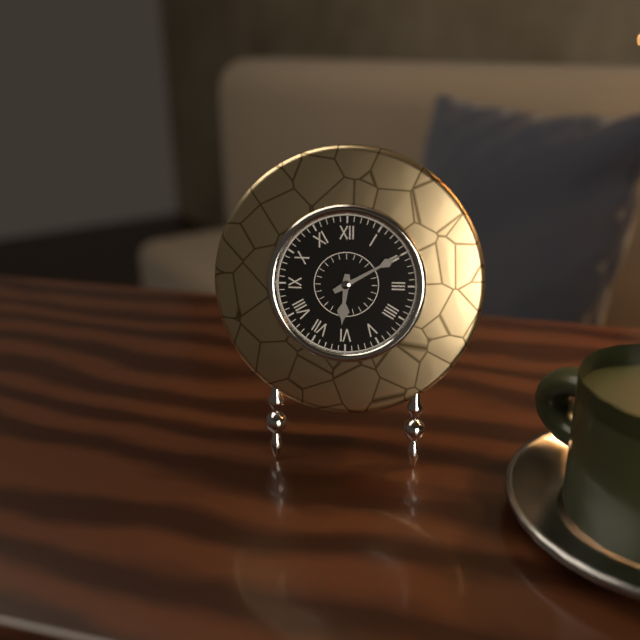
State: 6 h 10 min
